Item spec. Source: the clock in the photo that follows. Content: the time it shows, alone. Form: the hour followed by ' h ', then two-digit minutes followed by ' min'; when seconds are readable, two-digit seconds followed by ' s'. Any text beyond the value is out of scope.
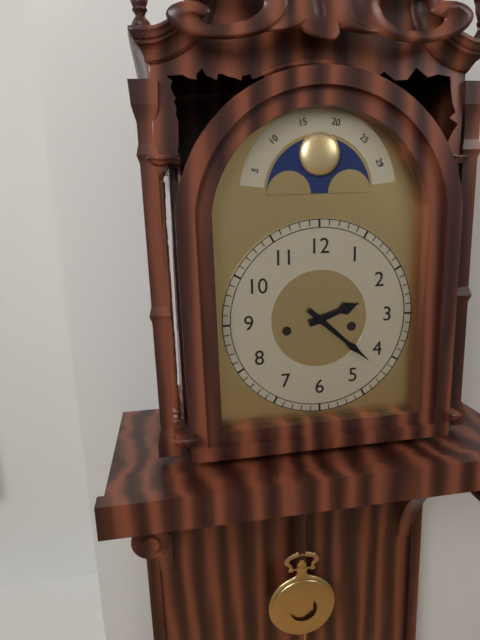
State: 2 h 22 min
